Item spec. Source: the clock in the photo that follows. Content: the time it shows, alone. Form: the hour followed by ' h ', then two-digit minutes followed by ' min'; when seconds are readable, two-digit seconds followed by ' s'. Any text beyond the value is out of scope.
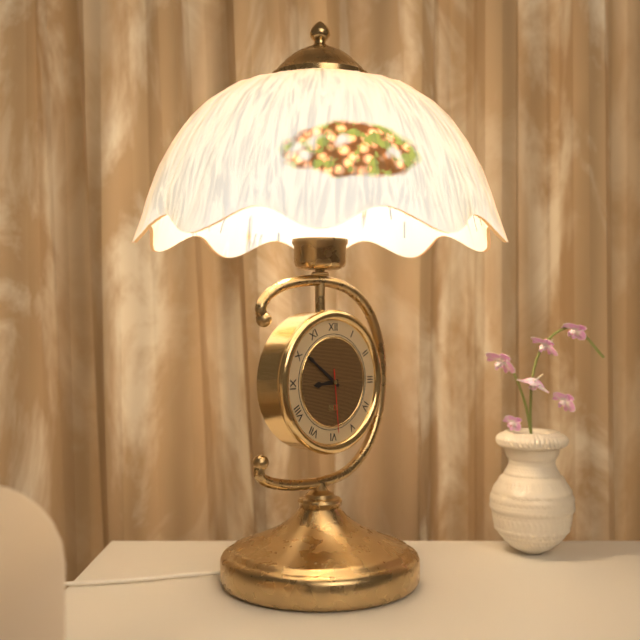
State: 8 h 51 min 29 s
